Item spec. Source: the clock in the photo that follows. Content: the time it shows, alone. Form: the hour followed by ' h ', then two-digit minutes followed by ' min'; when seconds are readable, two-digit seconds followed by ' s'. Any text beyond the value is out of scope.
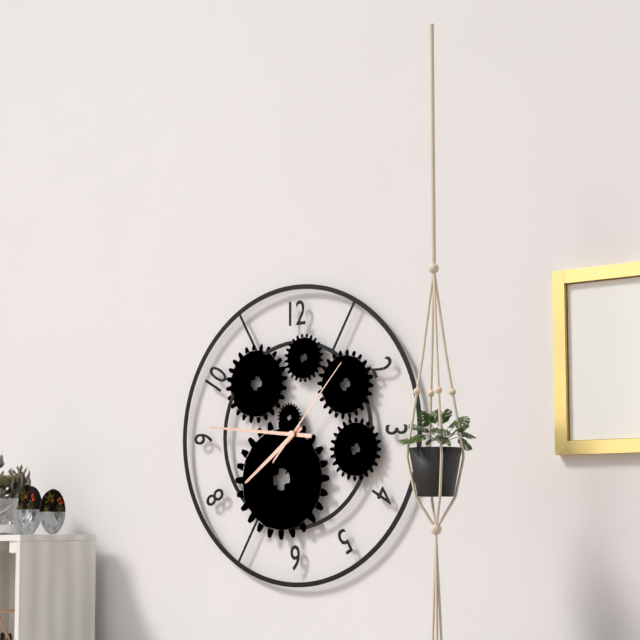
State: 7 h 46 min 07 s
